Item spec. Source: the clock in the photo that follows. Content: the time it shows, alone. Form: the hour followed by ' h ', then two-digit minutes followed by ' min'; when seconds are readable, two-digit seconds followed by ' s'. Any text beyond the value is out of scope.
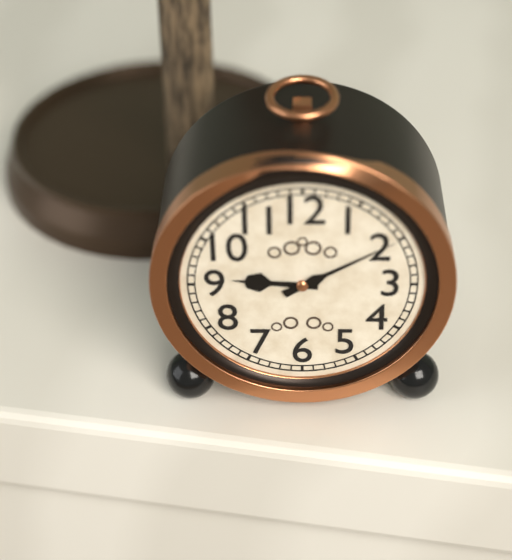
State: 9 h 10 min
